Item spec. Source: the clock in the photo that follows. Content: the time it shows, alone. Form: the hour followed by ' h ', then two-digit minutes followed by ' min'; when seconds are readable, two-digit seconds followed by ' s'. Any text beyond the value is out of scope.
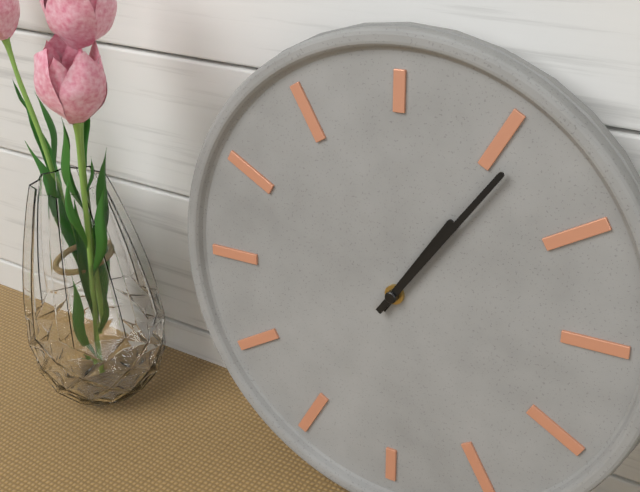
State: 1 h 06 min
